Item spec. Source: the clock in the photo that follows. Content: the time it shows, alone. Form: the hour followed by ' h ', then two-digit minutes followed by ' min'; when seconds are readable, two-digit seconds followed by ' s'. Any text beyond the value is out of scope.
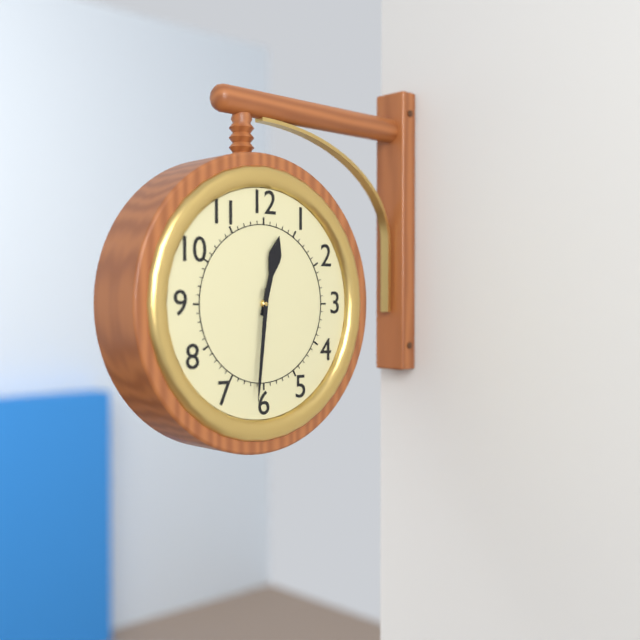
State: 12 h 31 min
